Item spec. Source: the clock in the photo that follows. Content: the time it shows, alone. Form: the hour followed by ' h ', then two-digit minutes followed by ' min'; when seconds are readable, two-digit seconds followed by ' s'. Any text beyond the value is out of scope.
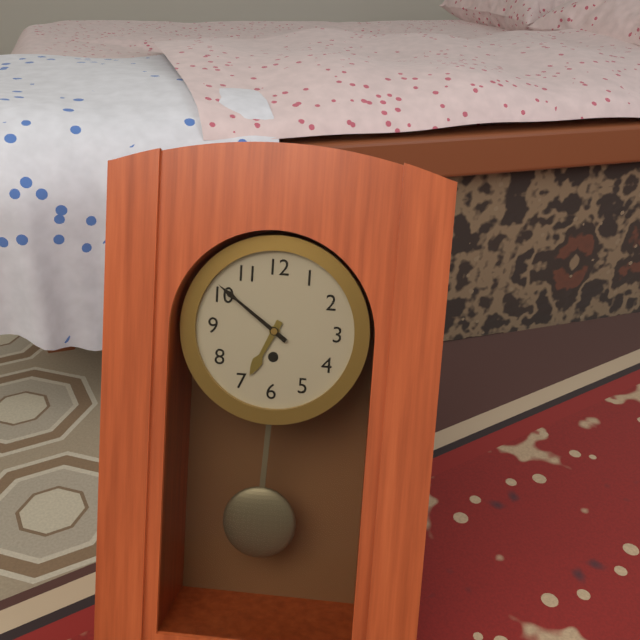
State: 6 h 51 min
